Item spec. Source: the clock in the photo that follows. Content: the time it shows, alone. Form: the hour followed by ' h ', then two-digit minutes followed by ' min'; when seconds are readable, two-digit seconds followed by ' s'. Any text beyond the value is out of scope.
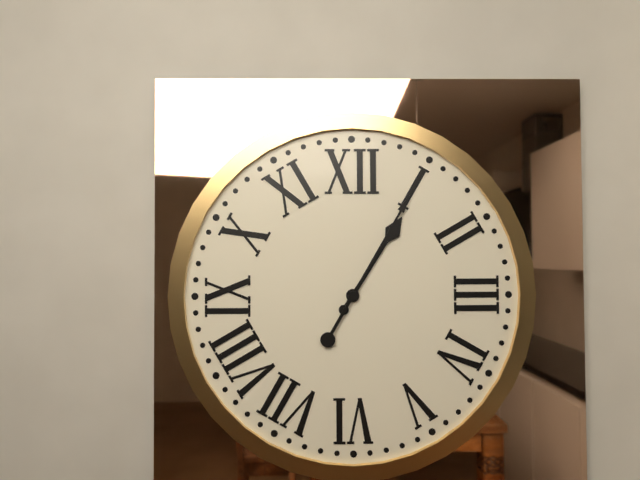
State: 1 h 05 min
